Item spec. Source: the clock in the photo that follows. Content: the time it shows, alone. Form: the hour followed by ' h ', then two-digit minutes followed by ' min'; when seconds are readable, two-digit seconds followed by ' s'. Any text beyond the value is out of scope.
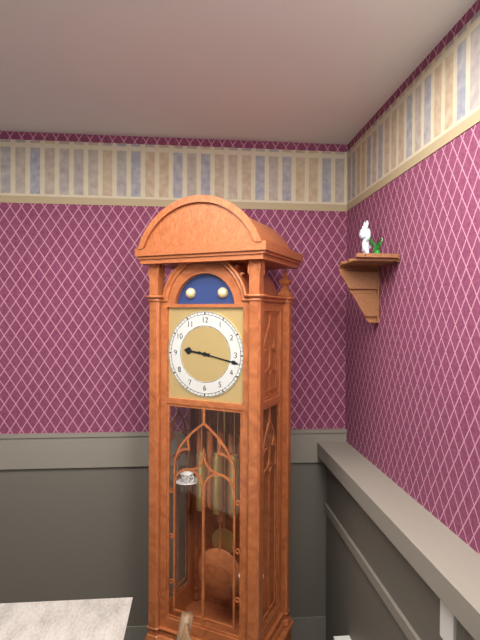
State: 9 h 17 min
